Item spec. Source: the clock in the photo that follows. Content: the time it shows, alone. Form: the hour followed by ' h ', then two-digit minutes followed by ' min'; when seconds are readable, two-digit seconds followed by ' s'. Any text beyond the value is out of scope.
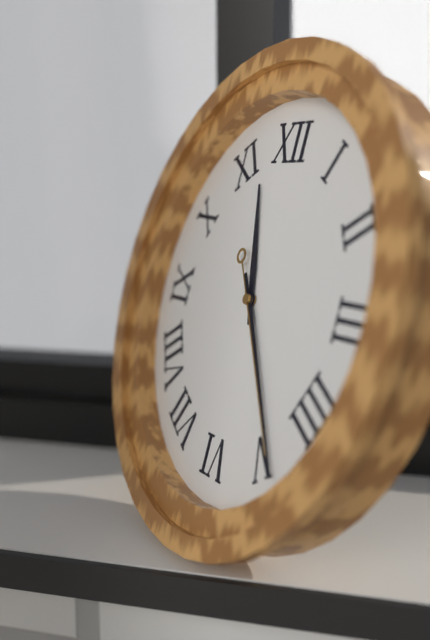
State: 11 h 24 min 24 s
